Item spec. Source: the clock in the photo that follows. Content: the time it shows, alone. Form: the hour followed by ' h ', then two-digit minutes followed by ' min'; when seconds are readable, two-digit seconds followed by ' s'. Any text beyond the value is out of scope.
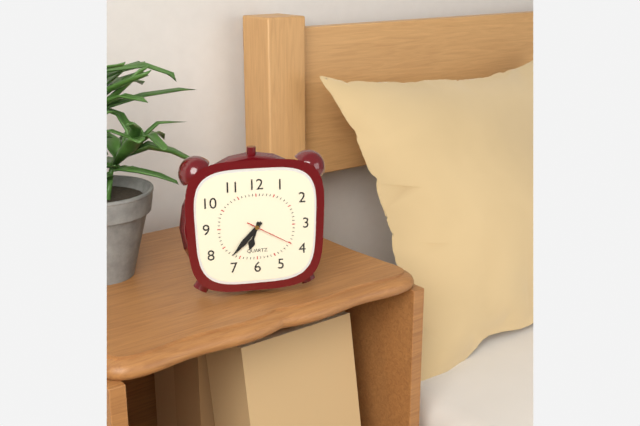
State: 6 h 37 min
